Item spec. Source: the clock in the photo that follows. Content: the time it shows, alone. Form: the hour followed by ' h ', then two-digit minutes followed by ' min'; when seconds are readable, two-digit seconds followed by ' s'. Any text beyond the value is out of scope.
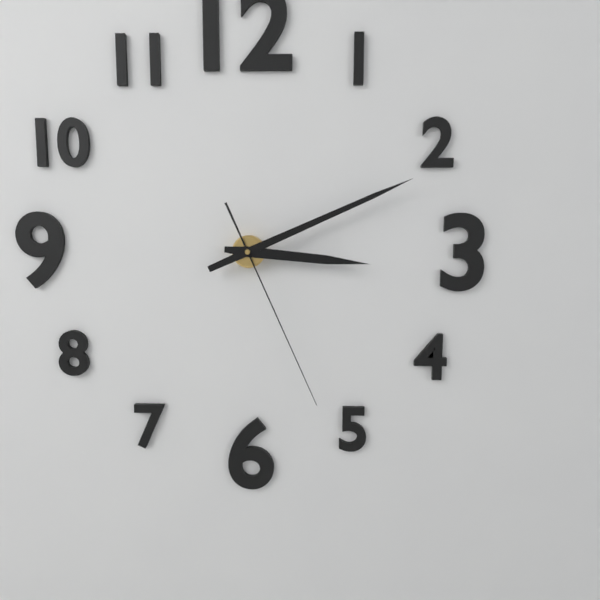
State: 3 h 11 min 26 s
